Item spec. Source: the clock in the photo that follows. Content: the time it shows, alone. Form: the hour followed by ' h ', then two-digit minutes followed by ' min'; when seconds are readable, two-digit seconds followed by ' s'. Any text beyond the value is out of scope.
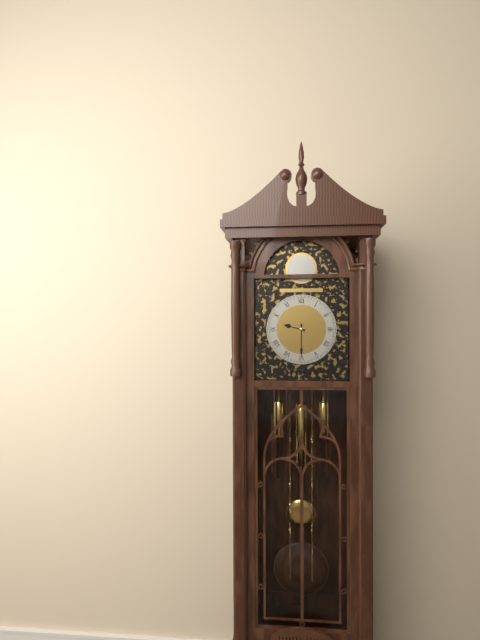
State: 9 h 30 min
